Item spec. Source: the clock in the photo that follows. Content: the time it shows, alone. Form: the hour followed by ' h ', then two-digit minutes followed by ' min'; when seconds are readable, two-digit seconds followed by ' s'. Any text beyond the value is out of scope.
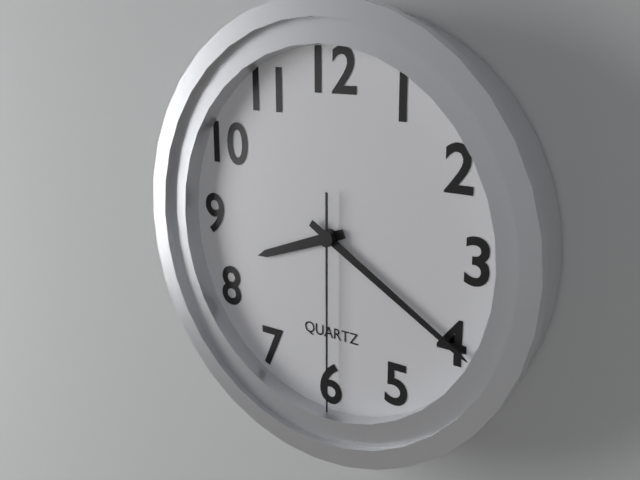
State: 8 h 20 min 30 s
